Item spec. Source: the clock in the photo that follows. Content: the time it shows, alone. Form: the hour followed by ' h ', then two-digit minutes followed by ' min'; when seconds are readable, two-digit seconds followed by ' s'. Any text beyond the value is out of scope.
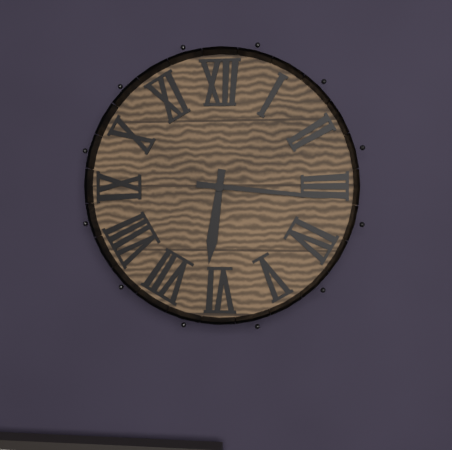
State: 6 h 16 min
